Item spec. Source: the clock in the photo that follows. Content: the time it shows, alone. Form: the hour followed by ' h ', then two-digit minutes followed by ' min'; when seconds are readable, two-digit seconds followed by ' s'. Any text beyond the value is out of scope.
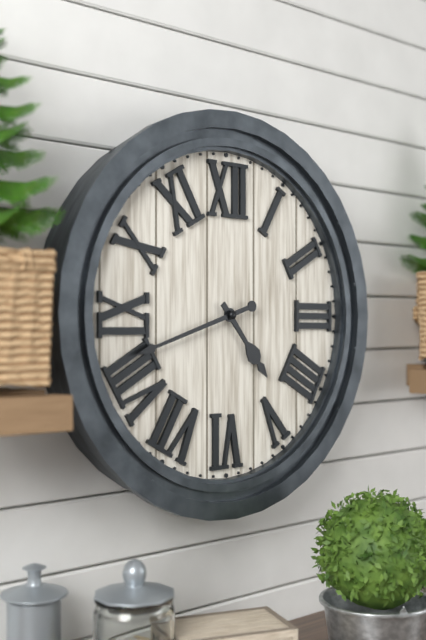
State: 4 h 42 min
